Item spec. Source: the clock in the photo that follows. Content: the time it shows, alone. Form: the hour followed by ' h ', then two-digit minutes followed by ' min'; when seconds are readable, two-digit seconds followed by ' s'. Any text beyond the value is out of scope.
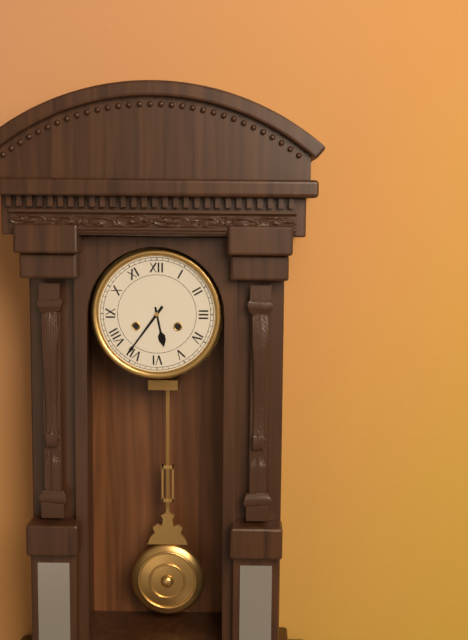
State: 5 h 36 min
